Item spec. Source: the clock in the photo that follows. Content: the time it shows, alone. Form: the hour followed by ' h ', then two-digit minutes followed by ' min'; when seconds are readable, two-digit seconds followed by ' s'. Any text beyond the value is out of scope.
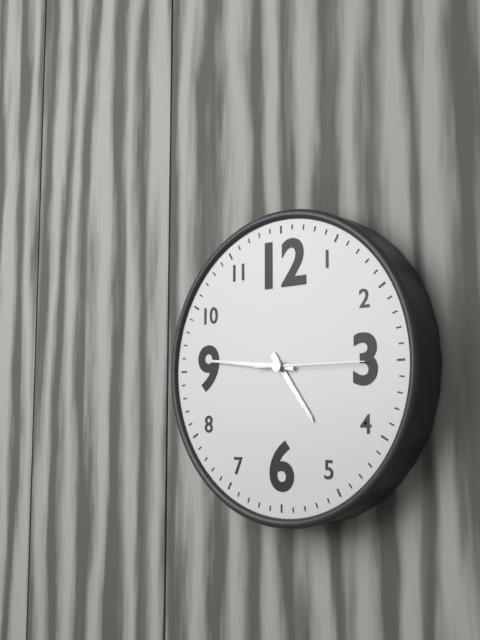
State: 4 h 46 min 15 s
